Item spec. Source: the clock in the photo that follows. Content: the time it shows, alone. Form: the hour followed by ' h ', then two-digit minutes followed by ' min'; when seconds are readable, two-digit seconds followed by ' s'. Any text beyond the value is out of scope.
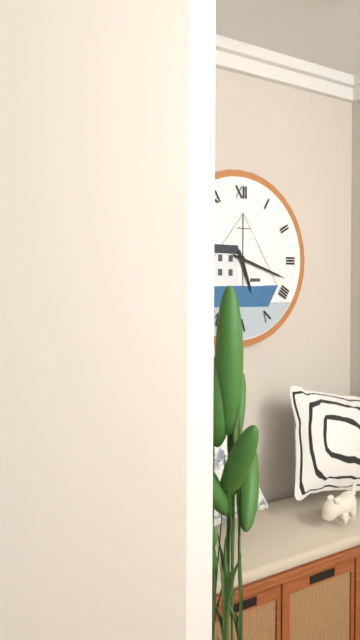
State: 5 h 18 min
